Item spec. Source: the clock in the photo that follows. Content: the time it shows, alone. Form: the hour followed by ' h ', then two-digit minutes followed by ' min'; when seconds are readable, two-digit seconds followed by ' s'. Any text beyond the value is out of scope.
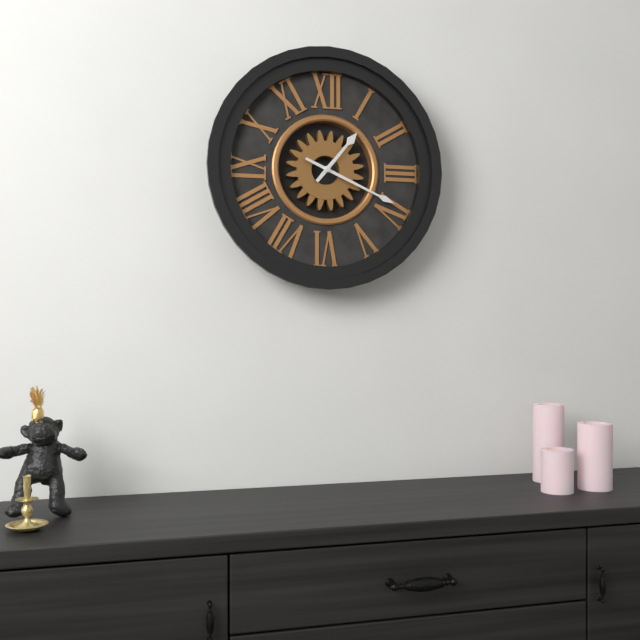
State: 1 h 19 min
